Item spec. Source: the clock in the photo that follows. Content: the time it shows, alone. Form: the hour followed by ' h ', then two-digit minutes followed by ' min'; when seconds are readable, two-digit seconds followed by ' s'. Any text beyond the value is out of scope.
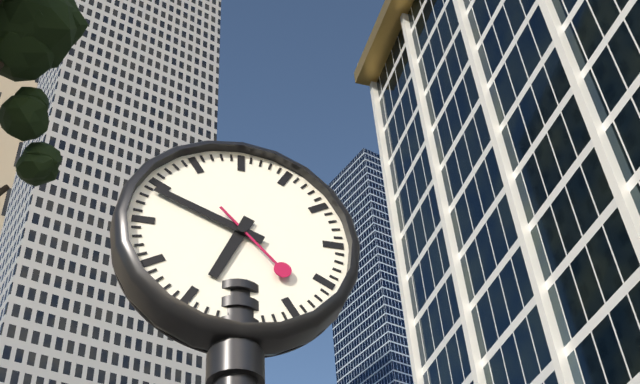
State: 6 h 49 min 23 s
